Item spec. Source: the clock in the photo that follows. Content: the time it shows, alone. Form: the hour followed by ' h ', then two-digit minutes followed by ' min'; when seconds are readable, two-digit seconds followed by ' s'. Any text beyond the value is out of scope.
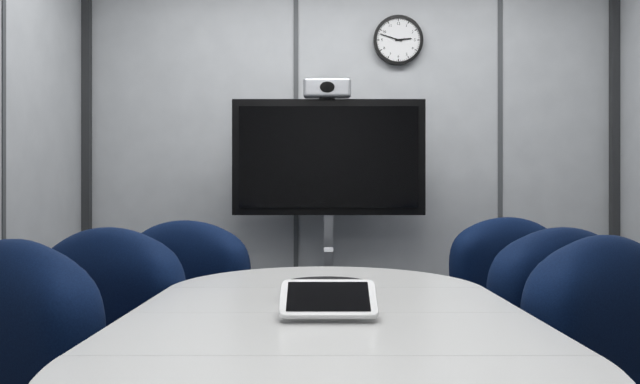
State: 2 h 48 min
